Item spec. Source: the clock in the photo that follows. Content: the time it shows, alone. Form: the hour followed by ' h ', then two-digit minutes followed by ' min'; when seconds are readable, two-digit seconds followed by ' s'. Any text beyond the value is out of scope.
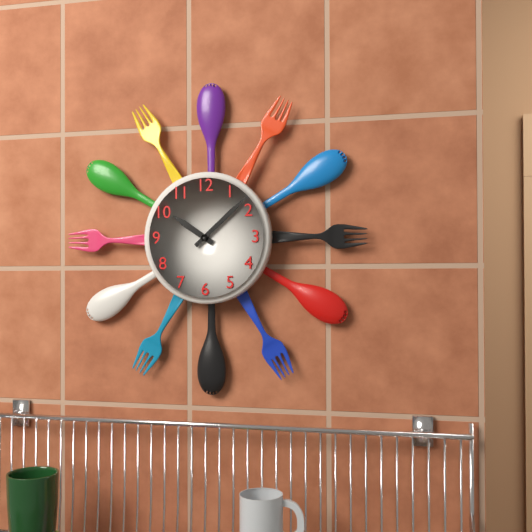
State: 10 h 08 min
